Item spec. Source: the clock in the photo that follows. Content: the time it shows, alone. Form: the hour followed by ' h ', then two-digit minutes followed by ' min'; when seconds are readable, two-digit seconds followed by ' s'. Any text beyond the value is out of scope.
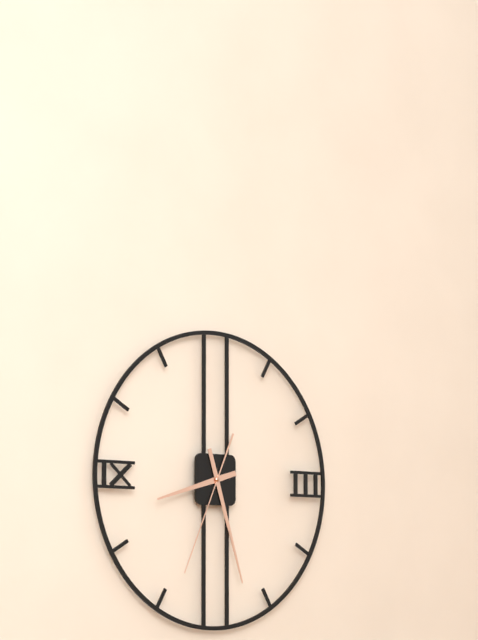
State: 8 h 27 min 34 s
